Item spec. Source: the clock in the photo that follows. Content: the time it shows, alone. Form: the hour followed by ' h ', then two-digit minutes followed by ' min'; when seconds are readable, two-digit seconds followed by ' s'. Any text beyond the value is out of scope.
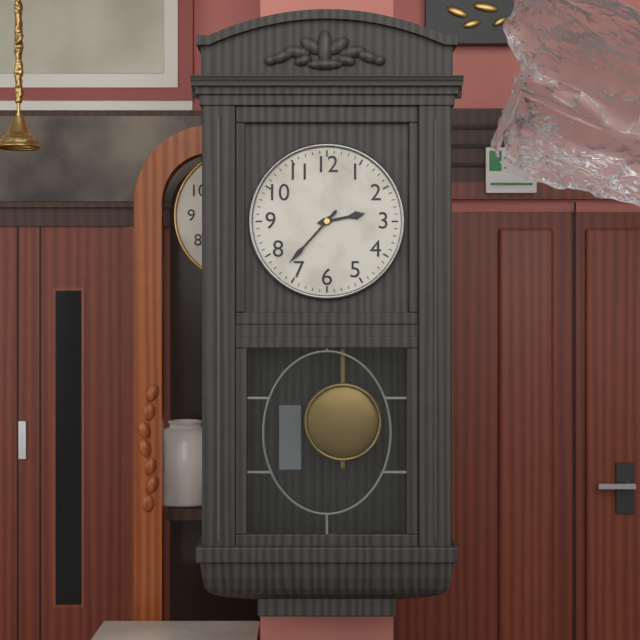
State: 2 h 37 min
